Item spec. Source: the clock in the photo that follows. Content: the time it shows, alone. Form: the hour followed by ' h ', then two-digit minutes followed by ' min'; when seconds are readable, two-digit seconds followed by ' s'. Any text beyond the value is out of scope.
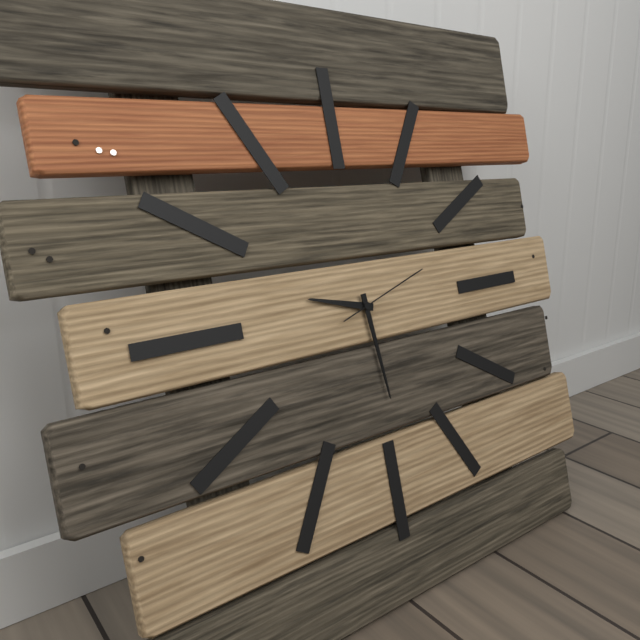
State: 9 h 29 min 12 s
